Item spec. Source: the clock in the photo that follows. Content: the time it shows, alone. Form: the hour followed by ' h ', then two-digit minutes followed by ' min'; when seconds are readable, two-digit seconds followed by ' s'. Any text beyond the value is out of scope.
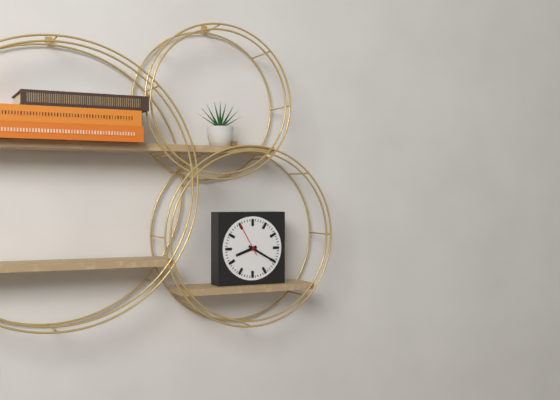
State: 8 h 20 min
